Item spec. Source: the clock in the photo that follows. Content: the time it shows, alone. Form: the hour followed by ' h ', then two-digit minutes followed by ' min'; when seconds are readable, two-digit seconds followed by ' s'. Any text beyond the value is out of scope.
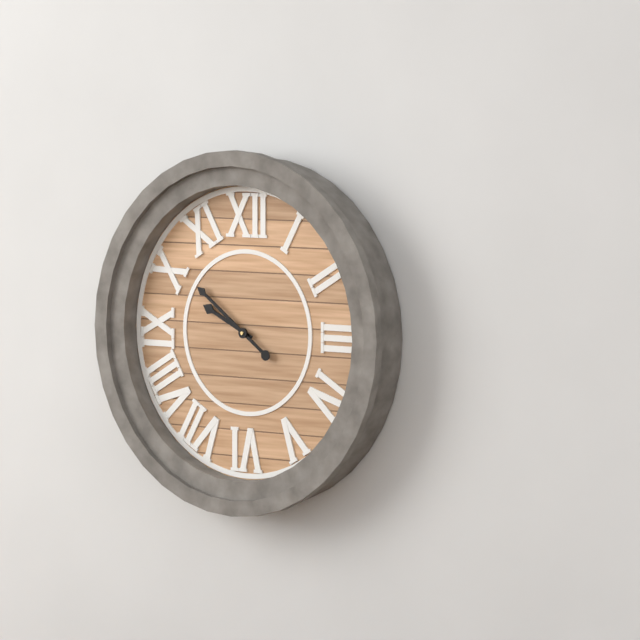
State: 9 h 51 min
